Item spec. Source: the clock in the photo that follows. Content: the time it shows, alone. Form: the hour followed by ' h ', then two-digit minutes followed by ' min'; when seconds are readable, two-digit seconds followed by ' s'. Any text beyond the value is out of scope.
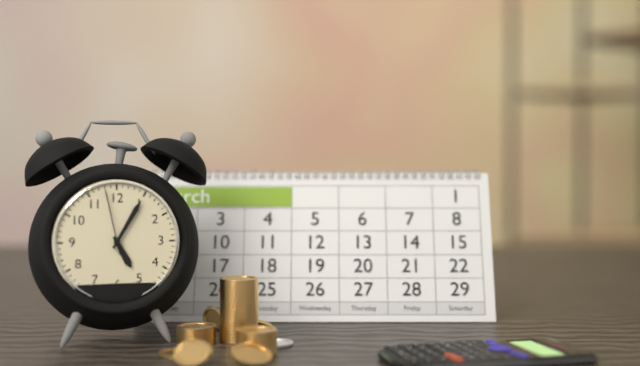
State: 5 h 05 min 58 s
